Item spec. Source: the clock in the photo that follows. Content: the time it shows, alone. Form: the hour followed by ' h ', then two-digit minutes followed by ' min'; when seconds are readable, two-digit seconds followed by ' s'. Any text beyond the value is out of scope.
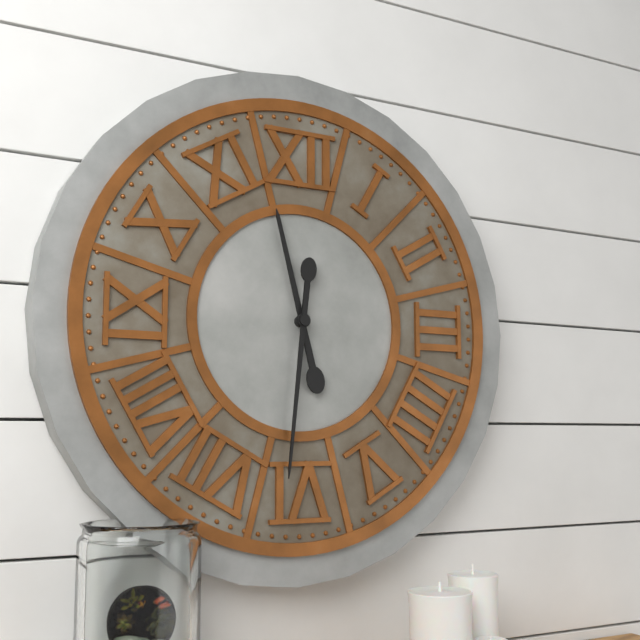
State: 11 h 31 min
